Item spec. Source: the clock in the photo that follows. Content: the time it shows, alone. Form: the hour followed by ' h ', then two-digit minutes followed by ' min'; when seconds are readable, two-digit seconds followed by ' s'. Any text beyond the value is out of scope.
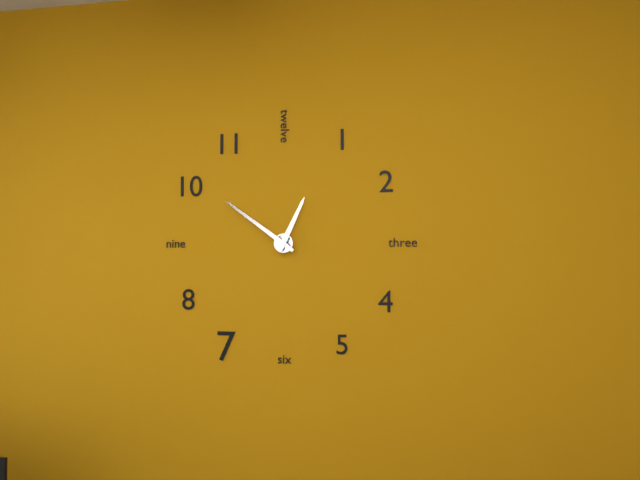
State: 12 h 51 min
